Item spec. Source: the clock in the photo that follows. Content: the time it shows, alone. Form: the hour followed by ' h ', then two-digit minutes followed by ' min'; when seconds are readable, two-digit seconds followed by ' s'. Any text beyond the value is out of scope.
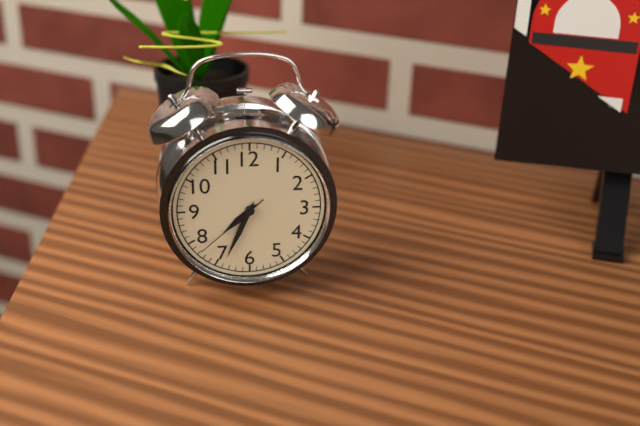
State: 7 h 34 min 38 s
